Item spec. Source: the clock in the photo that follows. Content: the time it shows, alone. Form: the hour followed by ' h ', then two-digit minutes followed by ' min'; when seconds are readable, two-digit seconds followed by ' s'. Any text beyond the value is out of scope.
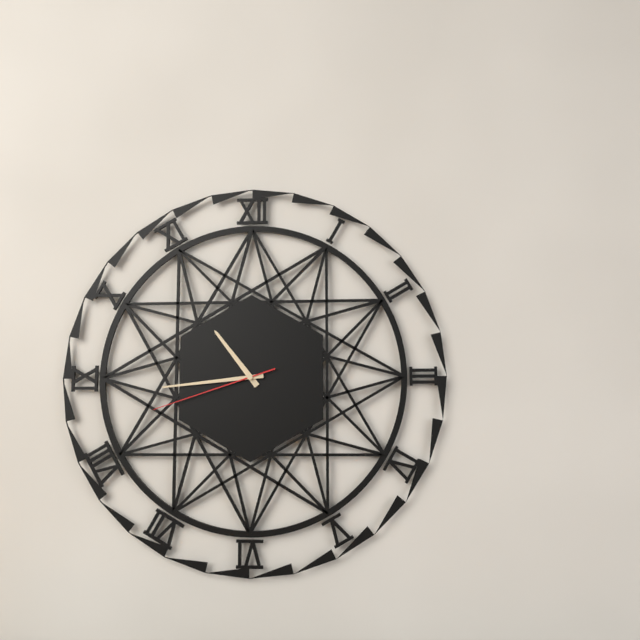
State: 10 h 44 min 42 s
